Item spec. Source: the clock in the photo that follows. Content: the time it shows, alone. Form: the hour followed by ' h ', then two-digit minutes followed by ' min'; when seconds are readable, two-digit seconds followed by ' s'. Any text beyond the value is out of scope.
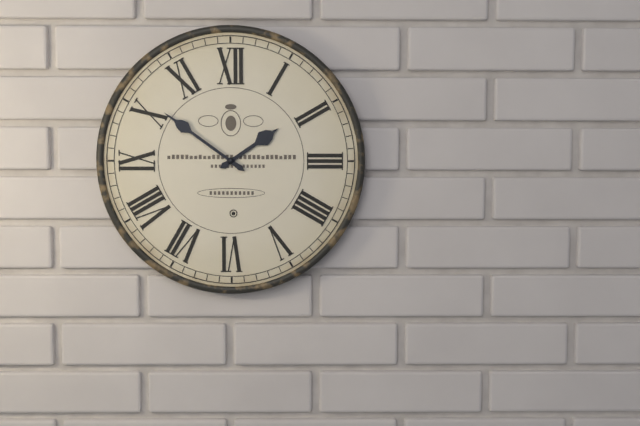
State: 1 h 51 min
